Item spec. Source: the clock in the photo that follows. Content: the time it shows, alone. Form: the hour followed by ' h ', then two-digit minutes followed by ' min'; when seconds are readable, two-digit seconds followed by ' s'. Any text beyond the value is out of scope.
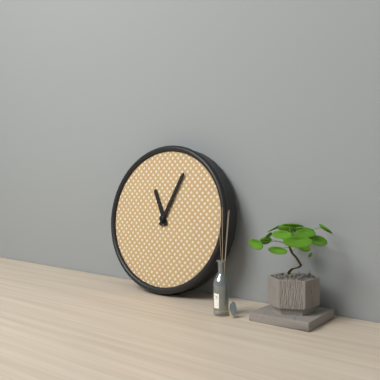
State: 11 h 04 min
